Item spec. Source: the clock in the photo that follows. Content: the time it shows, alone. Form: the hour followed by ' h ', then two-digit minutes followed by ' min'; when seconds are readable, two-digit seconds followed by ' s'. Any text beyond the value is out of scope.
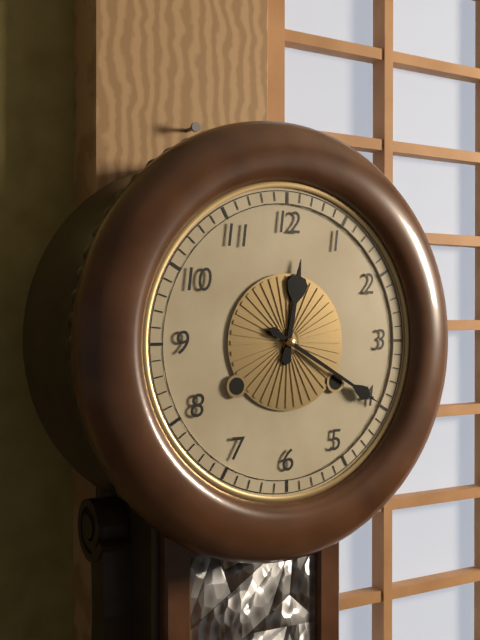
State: 12 h 20 min
